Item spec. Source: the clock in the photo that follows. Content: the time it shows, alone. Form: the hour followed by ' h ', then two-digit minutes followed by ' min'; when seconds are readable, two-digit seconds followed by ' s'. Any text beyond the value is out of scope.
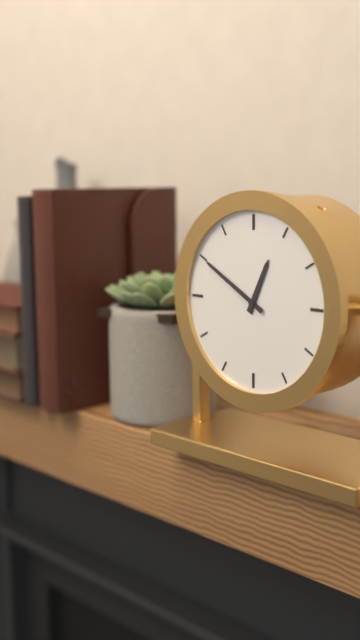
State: 12 h 50 min
